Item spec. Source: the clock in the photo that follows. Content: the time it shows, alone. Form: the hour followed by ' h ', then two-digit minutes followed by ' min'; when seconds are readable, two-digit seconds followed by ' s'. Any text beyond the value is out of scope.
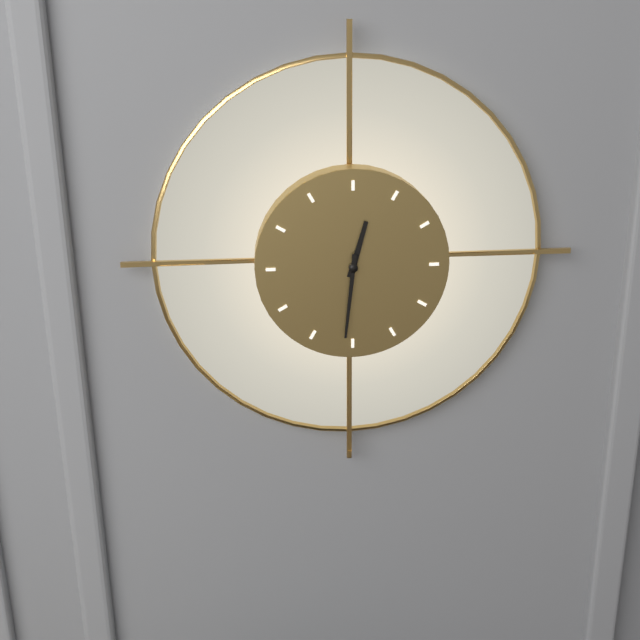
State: 12 h 31 min
